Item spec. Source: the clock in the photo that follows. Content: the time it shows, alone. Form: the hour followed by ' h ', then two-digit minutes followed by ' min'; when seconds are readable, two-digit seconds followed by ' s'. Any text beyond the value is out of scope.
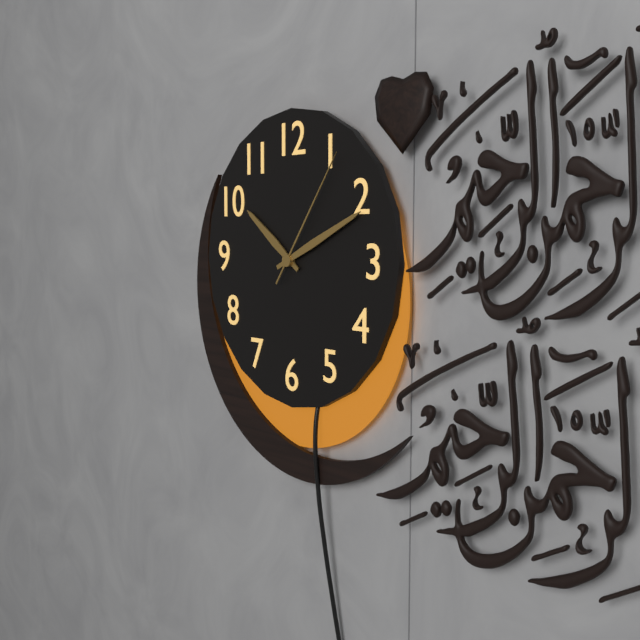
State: 10 h 11 min 06 s
